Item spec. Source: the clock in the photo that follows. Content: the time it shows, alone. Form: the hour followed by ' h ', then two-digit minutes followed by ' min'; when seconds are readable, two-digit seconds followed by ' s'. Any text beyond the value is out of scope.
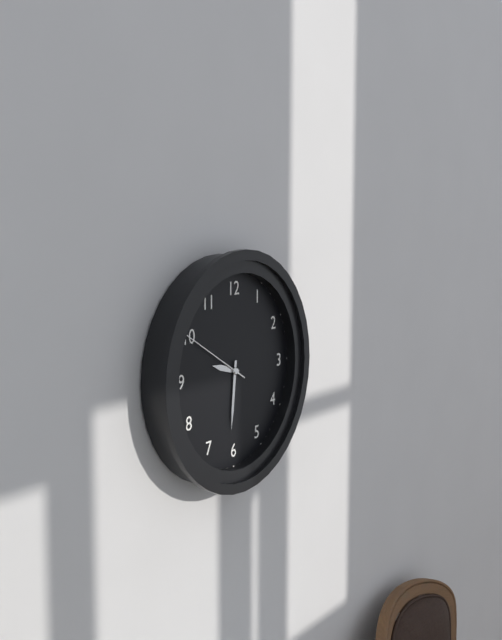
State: 9 h 31 min 50 s
